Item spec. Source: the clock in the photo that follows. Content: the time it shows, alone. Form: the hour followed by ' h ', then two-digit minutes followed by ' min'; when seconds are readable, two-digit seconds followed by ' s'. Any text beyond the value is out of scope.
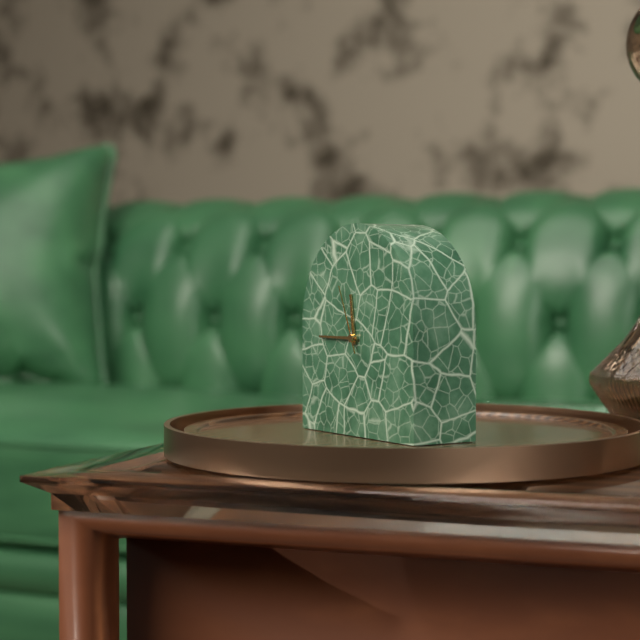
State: 11 h 45 min 56 s
